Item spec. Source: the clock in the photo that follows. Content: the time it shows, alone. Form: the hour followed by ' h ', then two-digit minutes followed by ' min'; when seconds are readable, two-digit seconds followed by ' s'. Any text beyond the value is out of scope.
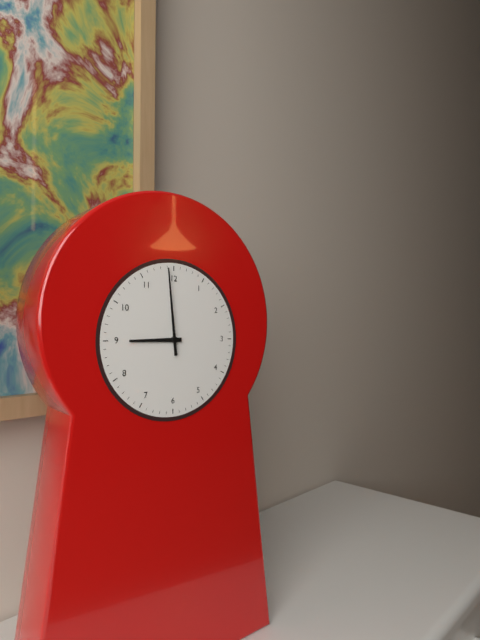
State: 8 h 59 min
